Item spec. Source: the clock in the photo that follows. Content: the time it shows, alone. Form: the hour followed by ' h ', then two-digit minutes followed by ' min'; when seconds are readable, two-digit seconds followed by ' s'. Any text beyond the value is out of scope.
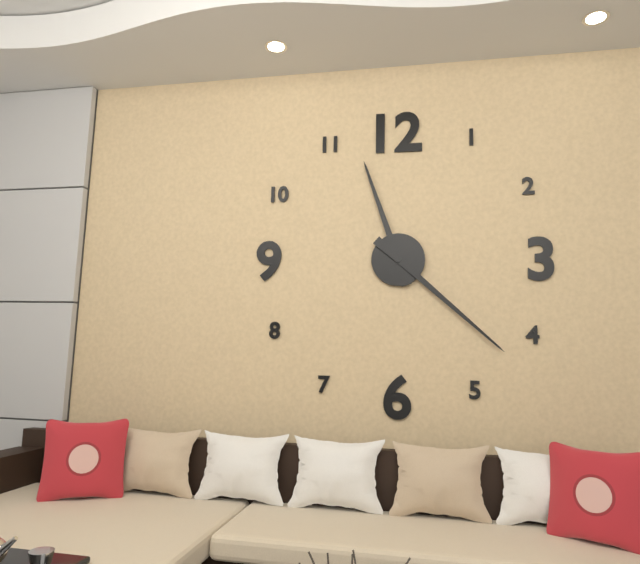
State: 11 h 22 min
